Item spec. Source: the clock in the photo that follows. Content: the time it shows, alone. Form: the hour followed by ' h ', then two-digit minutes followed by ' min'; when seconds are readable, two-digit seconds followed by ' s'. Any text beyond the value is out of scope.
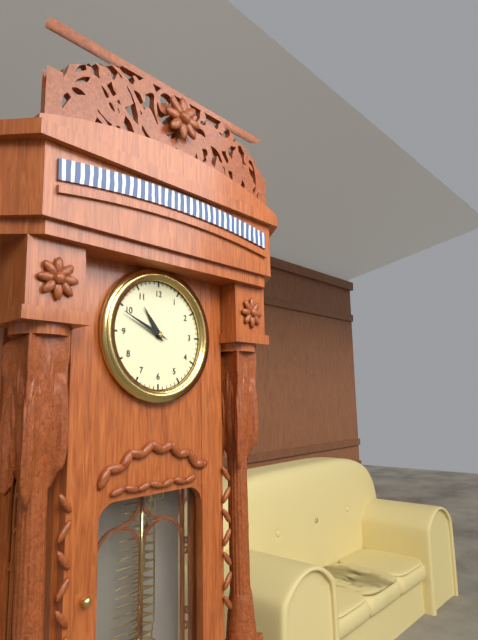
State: 10 h 49 min
